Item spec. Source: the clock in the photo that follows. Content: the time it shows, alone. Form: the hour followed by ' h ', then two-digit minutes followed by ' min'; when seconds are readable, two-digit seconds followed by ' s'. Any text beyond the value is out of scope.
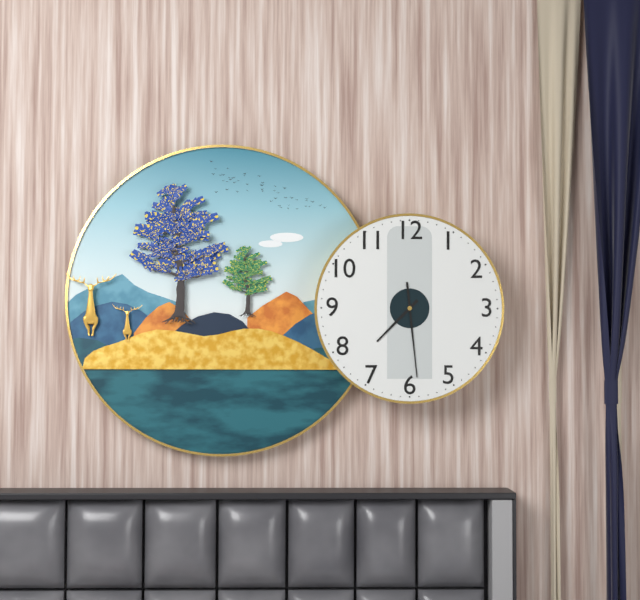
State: 7 h 29 min
